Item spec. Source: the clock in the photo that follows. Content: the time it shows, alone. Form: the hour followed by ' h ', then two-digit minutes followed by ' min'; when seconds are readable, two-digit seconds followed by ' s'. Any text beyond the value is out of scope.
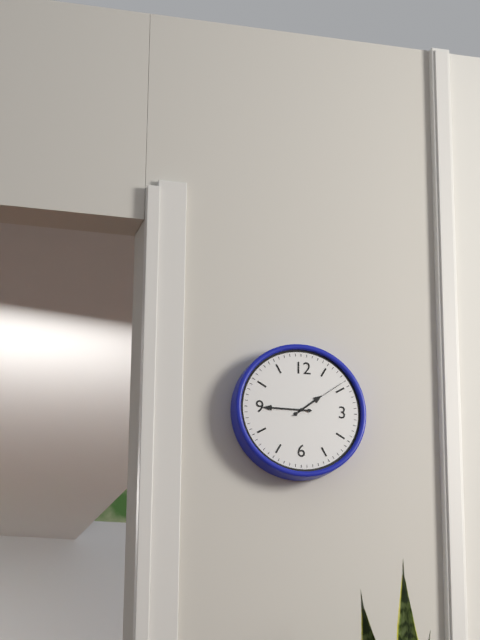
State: 1 h 45 min 09 s
